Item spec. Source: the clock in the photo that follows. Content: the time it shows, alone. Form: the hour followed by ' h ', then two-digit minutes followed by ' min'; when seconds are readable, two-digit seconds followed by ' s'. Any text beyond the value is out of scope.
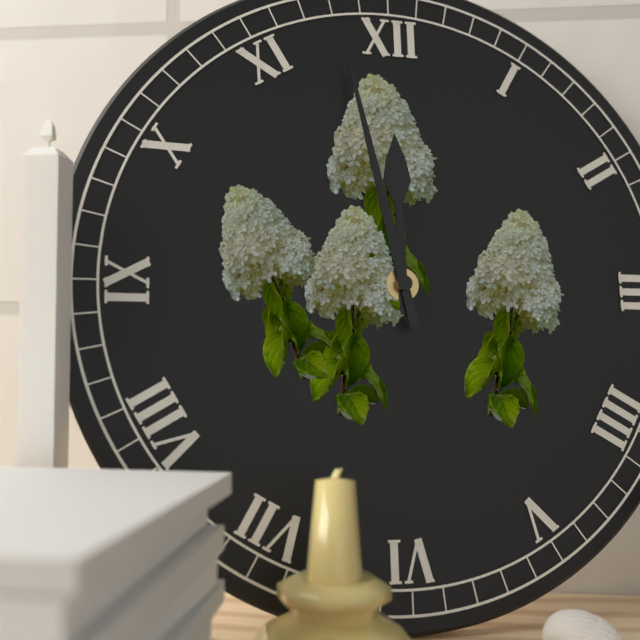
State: 11 h 58 min
